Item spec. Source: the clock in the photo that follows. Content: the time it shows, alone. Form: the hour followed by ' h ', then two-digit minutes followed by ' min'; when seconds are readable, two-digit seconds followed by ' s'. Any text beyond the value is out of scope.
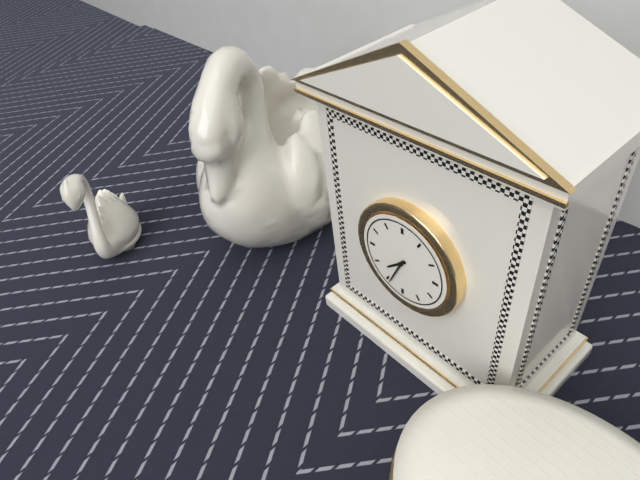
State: 7 h 34 min
